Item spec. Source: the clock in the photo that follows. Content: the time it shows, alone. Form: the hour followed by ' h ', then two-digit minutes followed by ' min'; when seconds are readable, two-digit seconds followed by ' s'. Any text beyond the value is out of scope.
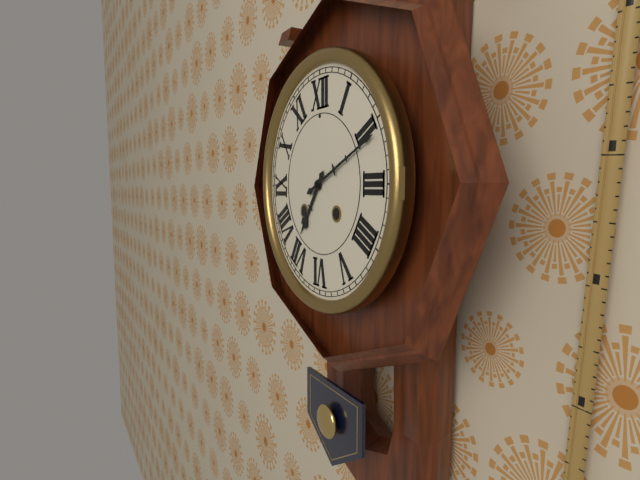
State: 7 h 11 min
